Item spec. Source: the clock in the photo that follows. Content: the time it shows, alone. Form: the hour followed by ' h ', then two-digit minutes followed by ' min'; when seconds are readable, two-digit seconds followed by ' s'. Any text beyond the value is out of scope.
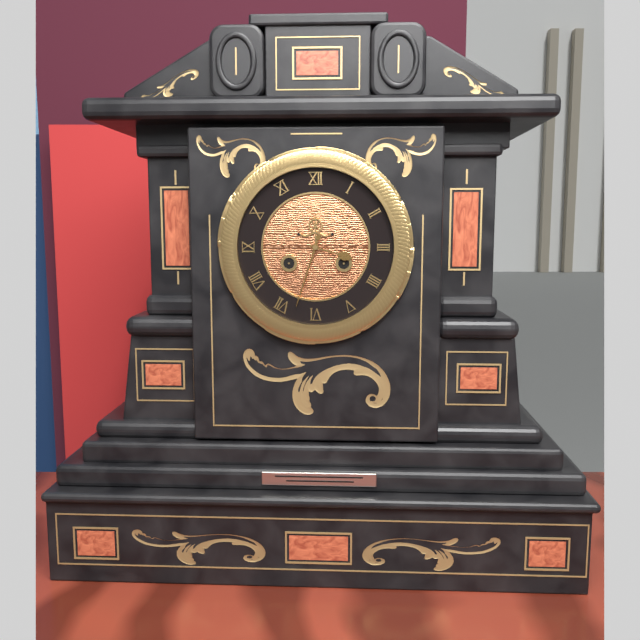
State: 3 h 33 min
